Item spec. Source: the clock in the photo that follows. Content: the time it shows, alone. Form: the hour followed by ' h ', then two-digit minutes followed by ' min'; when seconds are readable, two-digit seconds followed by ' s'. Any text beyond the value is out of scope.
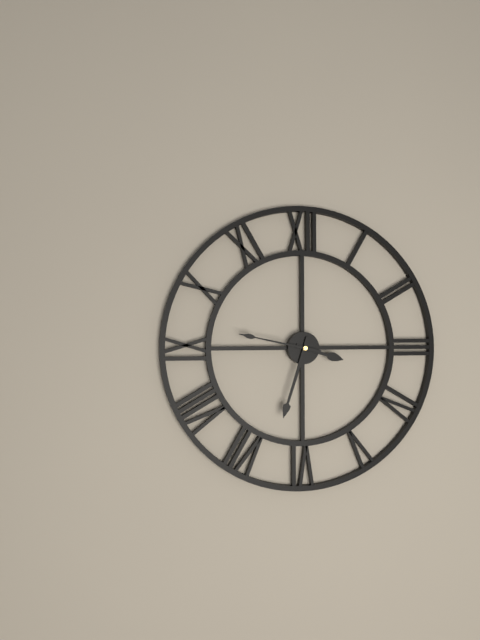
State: 3 h 33 min 47 s
